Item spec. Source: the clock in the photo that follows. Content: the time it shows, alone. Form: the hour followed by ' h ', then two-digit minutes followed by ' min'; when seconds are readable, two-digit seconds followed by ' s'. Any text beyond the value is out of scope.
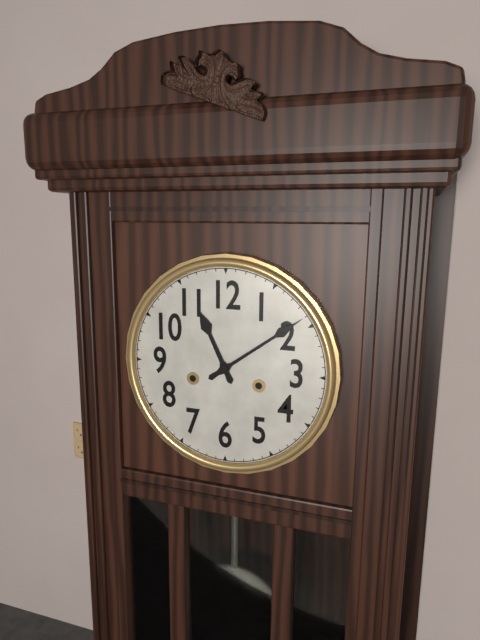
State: 11 h 09 min
